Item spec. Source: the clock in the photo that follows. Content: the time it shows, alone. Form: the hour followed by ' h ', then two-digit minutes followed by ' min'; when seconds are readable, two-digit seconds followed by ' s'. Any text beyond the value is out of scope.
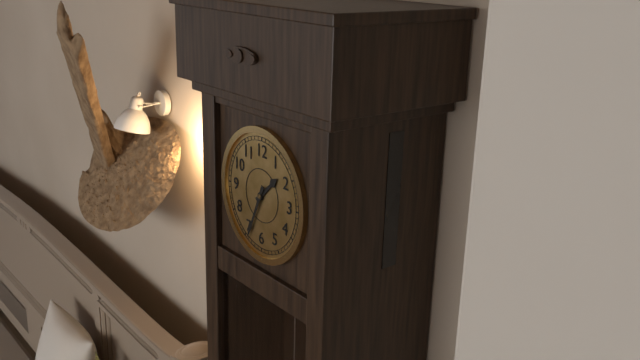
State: 1 h 34 min
